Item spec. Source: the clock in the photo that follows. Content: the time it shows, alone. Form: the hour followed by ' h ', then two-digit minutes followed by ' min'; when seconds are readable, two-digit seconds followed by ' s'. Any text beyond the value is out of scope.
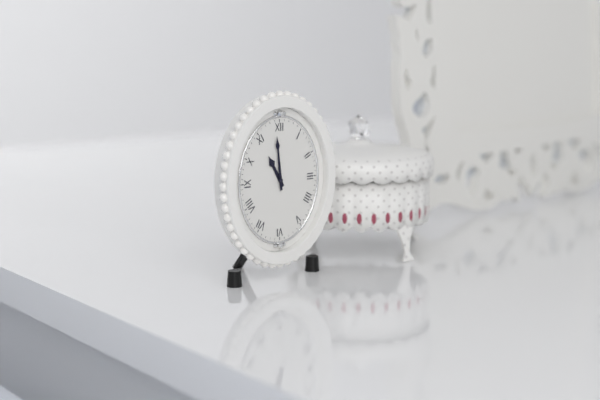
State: 10 h 59 min
